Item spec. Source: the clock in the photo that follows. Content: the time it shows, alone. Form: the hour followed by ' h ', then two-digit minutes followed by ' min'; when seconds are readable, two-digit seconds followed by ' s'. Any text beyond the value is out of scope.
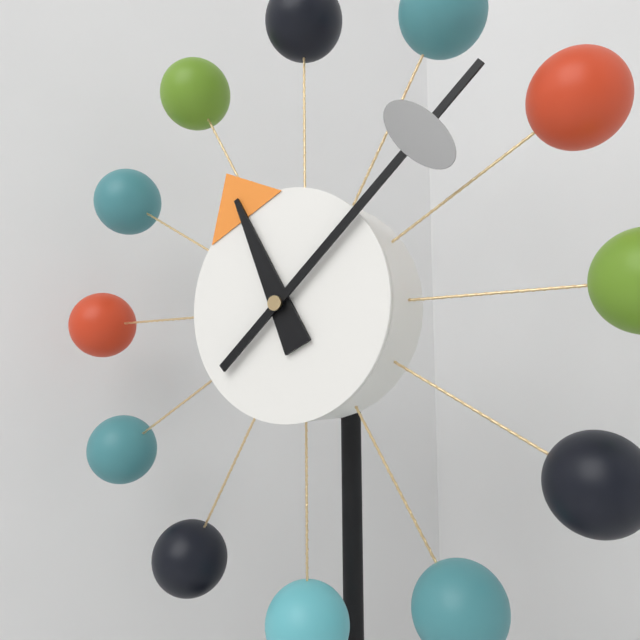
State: 11 h 08 min
